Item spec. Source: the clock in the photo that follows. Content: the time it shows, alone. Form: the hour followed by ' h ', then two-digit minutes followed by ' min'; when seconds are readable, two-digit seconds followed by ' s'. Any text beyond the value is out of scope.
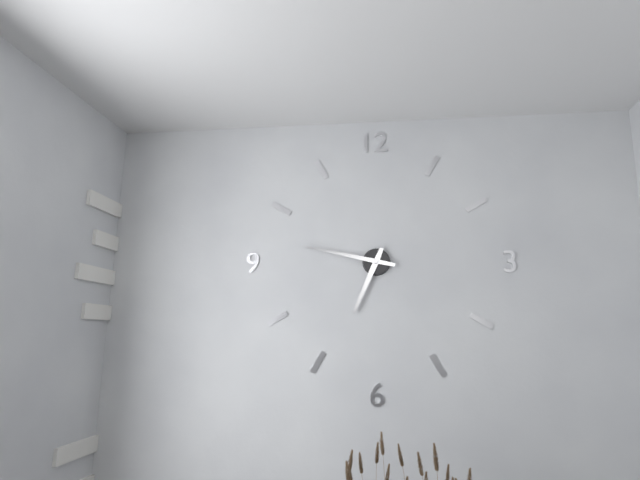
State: 6 h 47 min
